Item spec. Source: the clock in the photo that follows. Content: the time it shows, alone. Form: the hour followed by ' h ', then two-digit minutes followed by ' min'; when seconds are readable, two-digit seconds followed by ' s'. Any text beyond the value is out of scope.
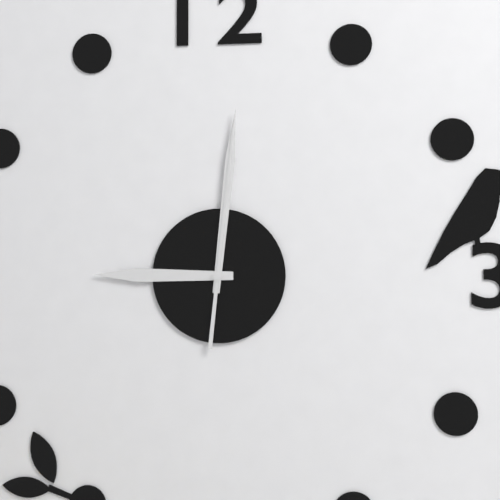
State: 9 h 01 min 01 s
